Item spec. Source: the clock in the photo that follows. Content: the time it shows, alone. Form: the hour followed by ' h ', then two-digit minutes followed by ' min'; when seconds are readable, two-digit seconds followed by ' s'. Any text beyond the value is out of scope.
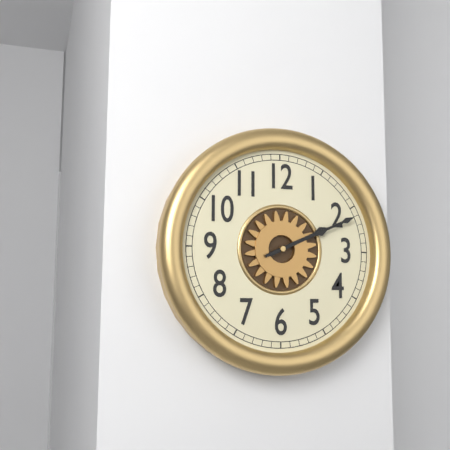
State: 2 h 11 min
